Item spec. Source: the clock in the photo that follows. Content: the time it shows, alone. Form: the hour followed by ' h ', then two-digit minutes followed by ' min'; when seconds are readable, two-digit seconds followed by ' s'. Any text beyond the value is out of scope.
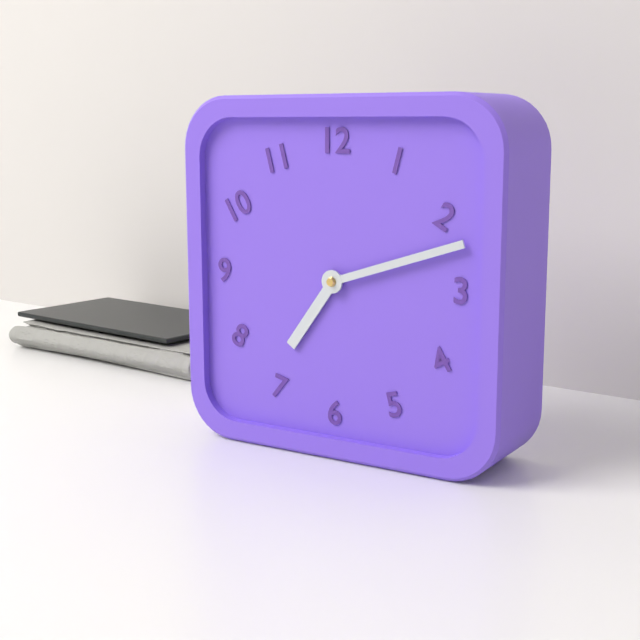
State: 7 h 12 min
